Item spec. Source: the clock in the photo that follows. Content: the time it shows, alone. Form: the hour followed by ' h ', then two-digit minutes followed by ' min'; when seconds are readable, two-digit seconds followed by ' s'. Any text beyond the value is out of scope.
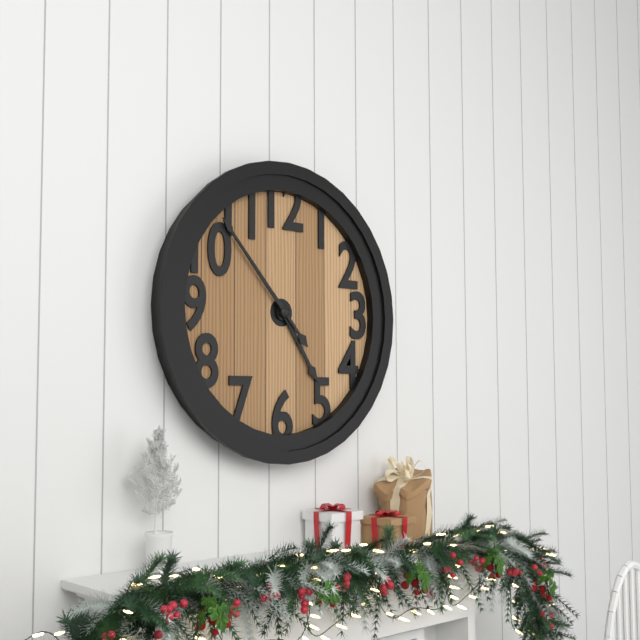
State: 4 h 53 min
